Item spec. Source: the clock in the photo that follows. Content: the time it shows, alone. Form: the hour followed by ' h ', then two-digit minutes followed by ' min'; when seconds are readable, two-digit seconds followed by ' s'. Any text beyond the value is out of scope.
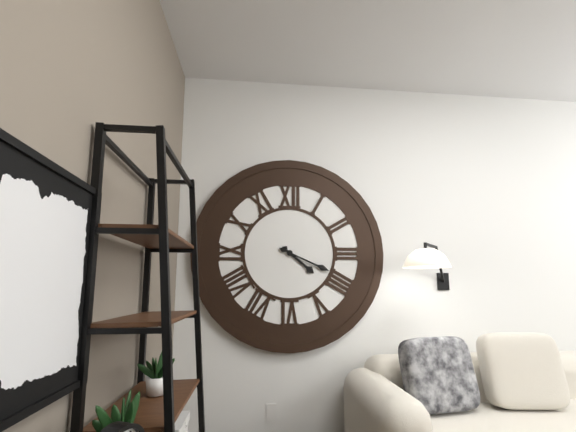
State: 4 h 19 min
